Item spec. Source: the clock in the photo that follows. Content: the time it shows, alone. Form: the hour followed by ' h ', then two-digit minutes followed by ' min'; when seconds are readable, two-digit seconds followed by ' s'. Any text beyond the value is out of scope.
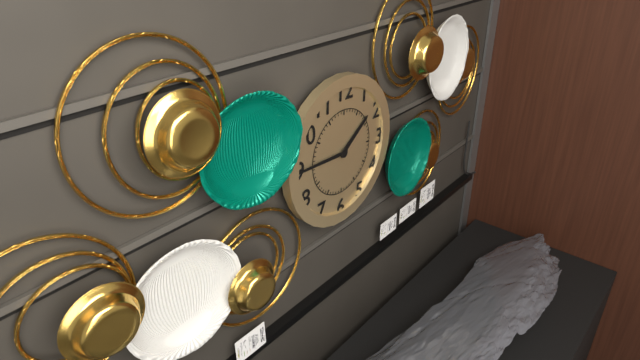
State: 1 h 45 min
